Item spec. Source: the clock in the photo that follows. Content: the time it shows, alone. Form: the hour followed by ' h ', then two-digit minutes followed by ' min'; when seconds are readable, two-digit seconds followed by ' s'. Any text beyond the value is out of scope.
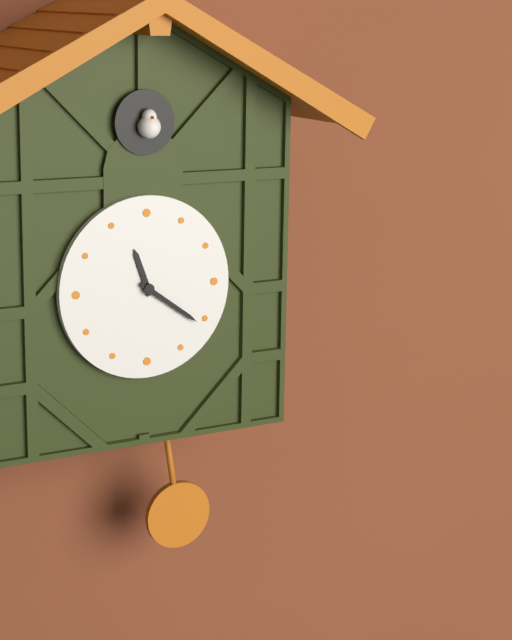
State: 11 h 21 min
